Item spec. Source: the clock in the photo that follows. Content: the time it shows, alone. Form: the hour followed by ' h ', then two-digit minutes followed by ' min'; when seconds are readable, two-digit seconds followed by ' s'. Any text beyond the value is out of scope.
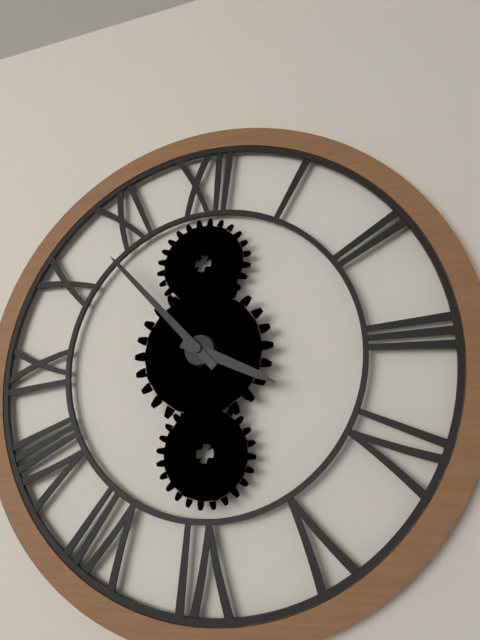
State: 3 h 53 min
